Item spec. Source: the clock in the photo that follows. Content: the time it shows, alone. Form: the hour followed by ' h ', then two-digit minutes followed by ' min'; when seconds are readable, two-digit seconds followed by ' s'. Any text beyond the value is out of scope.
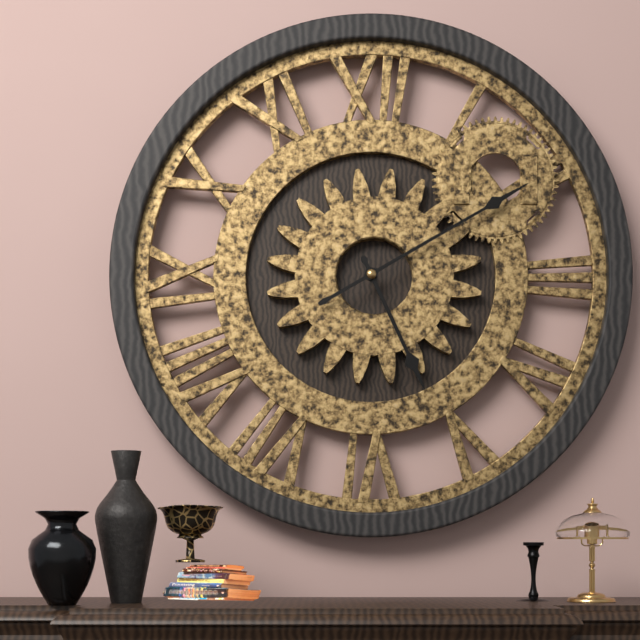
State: 5 h 10 min
